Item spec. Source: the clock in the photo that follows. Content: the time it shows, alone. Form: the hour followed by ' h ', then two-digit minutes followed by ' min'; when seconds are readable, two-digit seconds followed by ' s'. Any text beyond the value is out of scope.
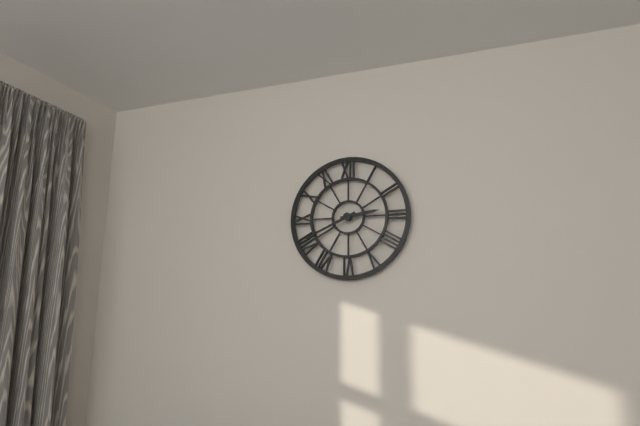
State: 2 h 41 min
